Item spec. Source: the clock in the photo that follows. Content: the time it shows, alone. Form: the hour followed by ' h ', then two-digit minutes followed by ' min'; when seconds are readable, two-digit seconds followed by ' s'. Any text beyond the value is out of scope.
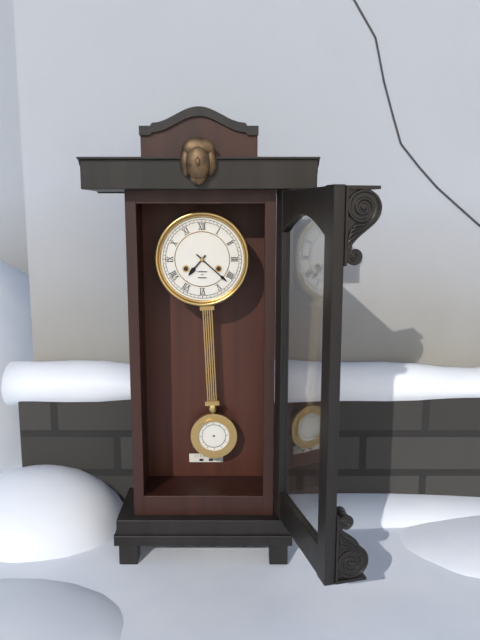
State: 7 h 22 min
